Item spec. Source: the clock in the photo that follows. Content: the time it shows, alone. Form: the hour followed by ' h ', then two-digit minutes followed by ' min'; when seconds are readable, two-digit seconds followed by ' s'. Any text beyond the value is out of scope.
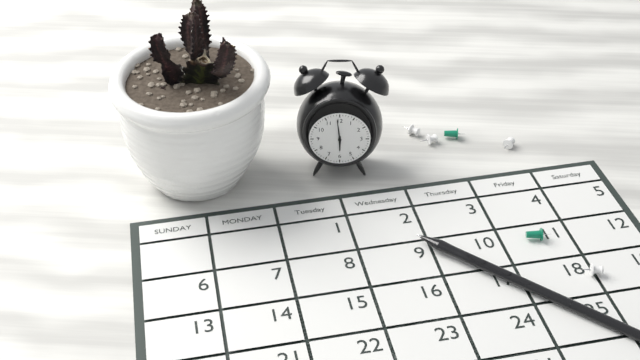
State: 5 h 59 min
